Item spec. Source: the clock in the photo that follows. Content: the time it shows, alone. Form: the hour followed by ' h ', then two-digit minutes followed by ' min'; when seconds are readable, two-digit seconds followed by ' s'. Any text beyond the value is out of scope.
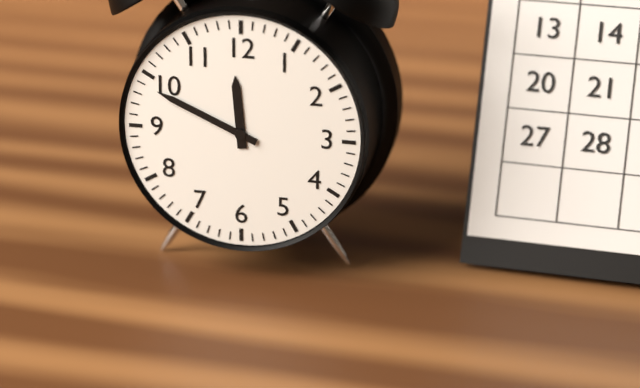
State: 11 h 49 min
